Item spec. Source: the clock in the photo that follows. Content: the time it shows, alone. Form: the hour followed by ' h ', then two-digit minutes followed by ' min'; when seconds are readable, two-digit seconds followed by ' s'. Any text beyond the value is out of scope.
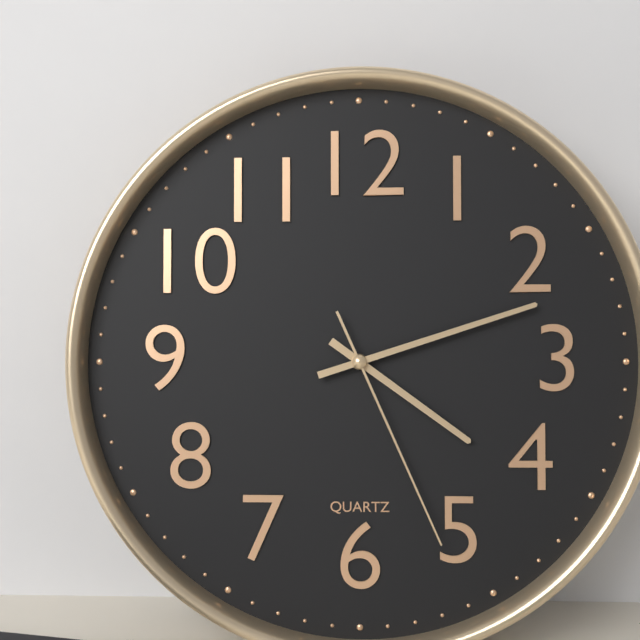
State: 4 h 12 min 26 s
